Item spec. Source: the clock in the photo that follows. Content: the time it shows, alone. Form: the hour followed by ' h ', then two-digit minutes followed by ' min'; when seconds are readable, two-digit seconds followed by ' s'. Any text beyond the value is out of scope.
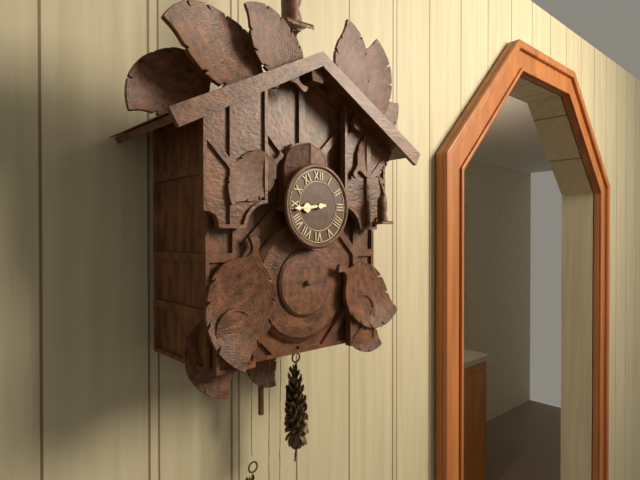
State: 8 h 44 min
